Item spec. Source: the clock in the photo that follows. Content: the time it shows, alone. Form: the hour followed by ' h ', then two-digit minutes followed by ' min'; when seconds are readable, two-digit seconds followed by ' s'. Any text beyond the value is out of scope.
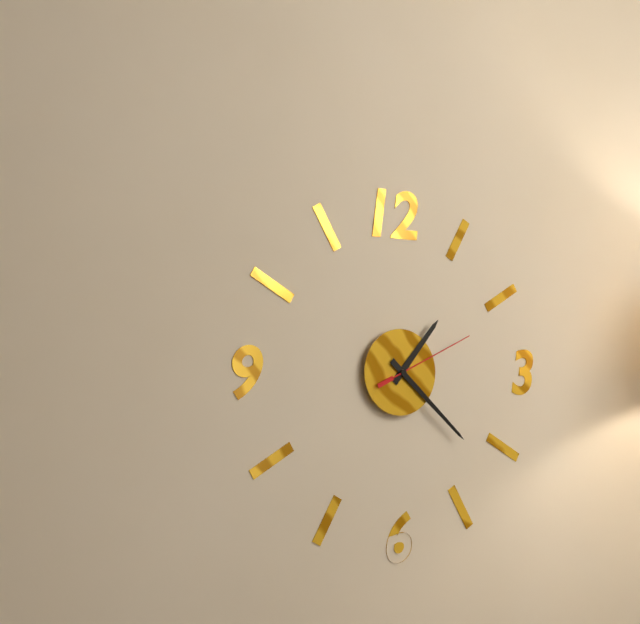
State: 1 h 22 min 11 s
